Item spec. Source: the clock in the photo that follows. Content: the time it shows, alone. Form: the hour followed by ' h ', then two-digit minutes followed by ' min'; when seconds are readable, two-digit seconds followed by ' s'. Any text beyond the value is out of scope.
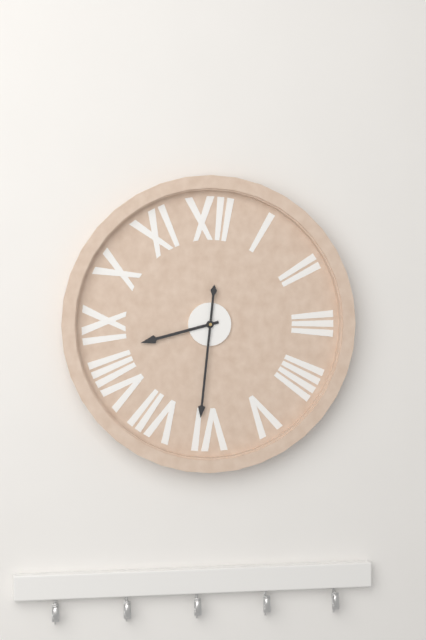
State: 8 h 31 min
